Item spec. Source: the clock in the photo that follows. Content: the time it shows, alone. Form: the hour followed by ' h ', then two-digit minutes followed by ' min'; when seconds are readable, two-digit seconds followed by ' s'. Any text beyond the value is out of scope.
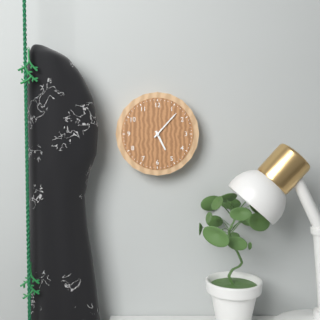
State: 5 h 07 min
